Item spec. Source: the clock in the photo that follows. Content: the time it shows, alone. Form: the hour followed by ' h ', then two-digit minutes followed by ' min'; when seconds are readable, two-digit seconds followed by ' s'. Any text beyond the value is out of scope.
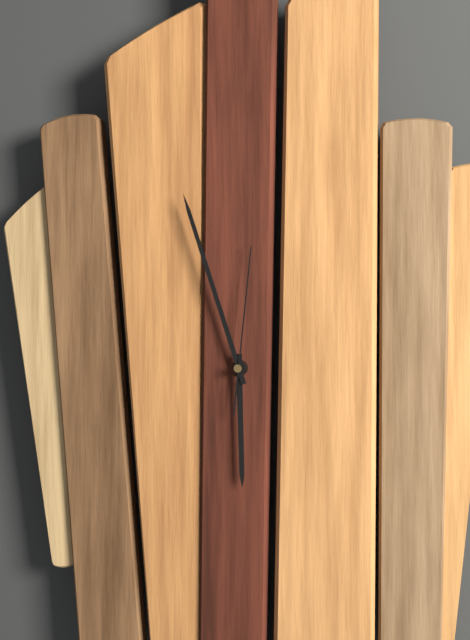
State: 5 h 57 min 01 s
